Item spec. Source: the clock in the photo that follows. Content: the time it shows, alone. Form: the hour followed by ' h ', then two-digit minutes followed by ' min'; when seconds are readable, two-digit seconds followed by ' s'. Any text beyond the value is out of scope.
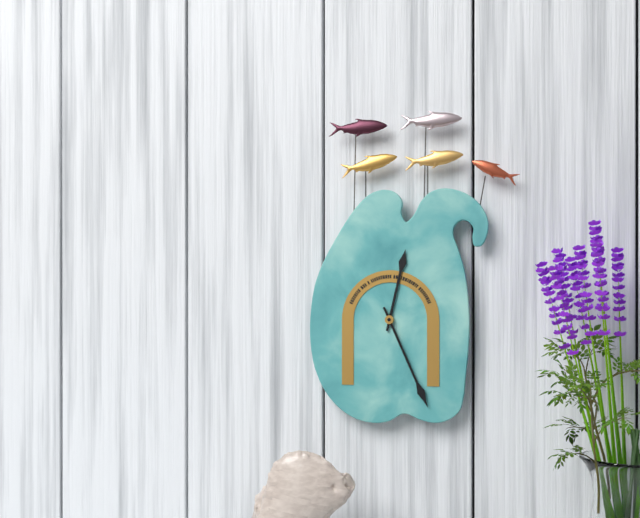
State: 12 h 26 min
